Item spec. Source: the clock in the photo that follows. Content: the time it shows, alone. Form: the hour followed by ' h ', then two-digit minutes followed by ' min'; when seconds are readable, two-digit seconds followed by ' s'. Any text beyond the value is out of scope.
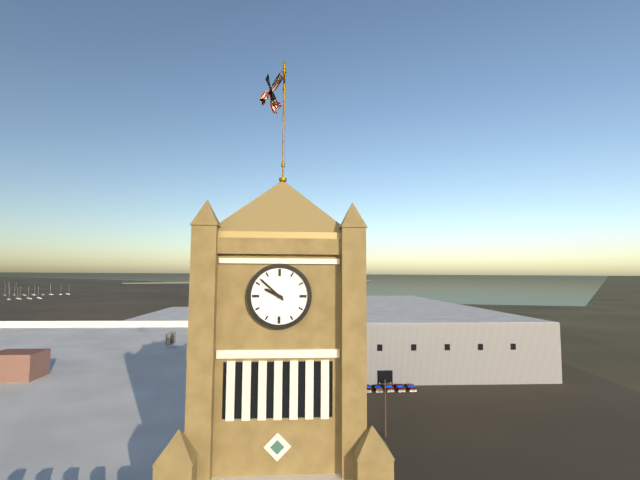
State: 9 h 52 min
